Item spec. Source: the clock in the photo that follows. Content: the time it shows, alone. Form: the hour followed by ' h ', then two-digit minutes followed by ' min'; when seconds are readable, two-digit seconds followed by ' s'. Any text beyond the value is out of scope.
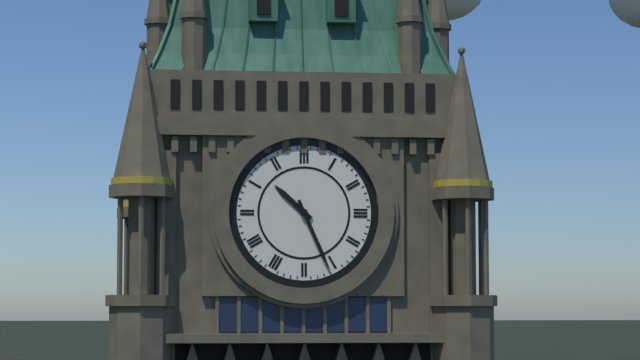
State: 10 h 26 min
